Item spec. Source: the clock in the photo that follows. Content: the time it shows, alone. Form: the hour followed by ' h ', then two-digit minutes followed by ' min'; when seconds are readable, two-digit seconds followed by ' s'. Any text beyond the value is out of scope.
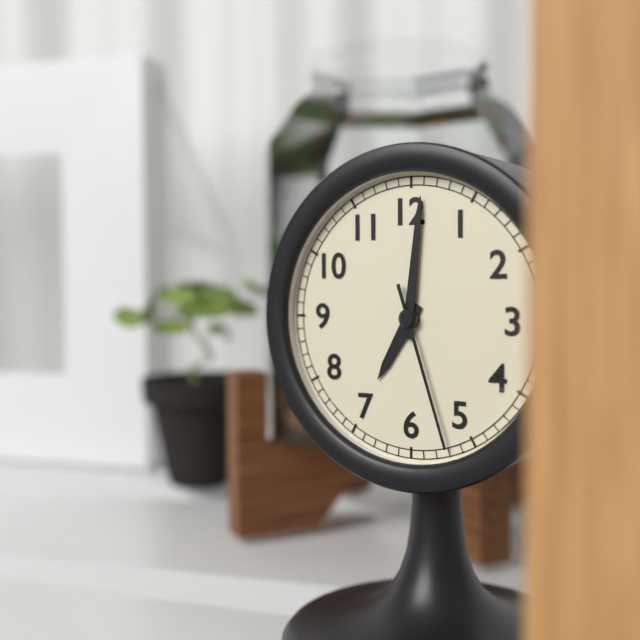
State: 7 h 01 min 27 s
